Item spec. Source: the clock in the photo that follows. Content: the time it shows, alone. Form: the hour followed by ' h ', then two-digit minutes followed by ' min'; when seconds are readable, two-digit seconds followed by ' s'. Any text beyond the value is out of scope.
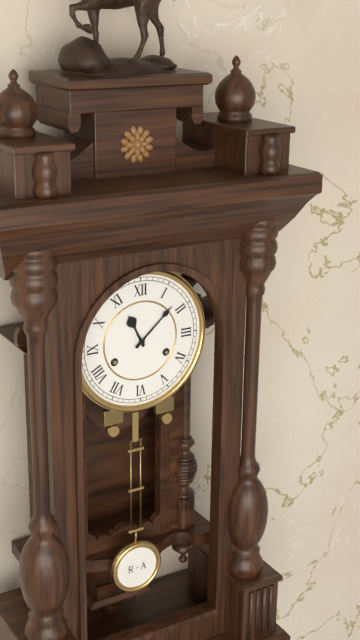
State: 11 h 08 min
